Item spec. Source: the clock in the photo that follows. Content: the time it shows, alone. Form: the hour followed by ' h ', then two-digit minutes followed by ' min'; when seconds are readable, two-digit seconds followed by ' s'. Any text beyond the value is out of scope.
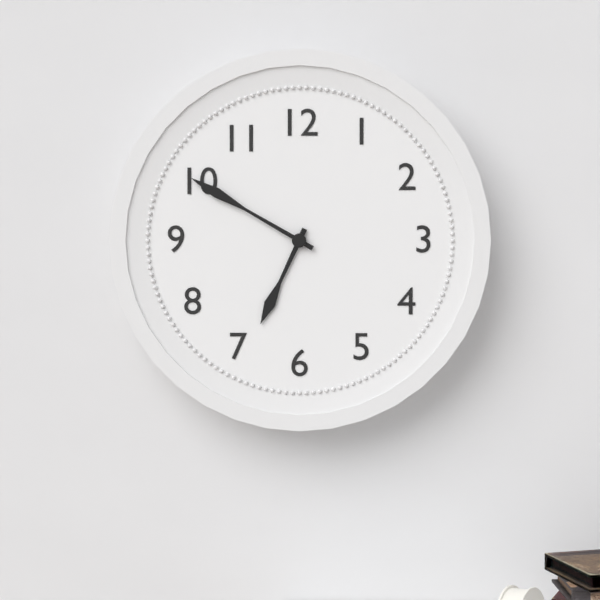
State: 6 h 50 min
